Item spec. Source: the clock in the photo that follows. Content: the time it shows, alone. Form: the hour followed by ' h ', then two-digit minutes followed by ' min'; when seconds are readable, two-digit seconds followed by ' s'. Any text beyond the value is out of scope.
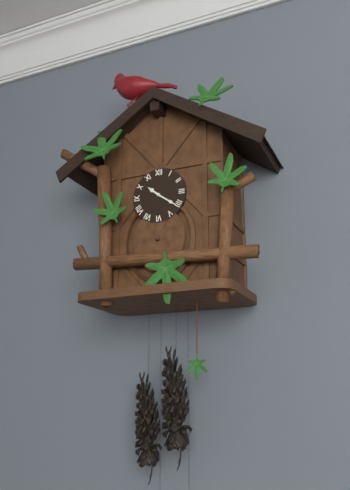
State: 10 h 21 min
